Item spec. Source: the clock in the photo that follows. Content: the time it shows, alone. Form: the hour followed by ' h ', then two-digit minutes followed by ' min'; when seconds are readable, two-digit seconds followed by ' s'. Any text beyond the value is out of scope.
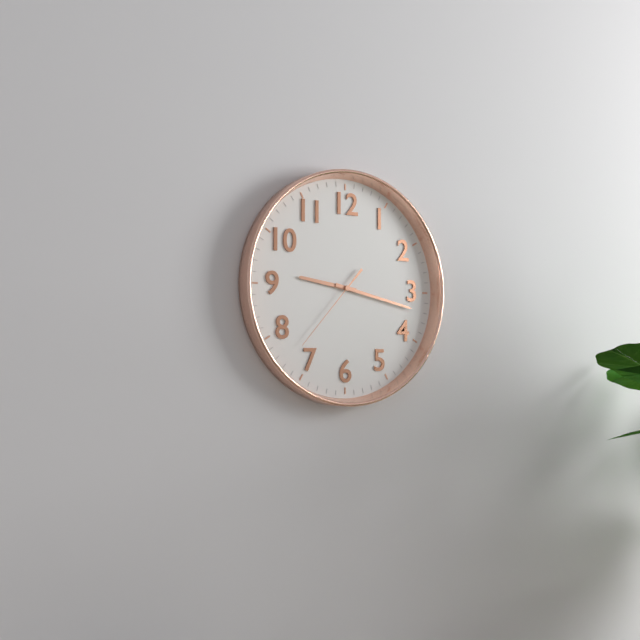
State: 9 h 17 min 37 s
